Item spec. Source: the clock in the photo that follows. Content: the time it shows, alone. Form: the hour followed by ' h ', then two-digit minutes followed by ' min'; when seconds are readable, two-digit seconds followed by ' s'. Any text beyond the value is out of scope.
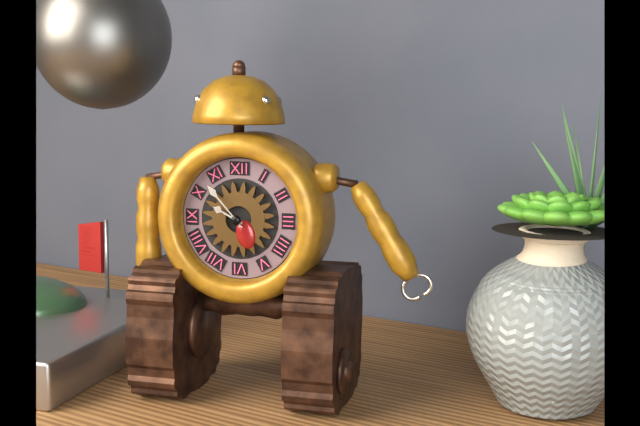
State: 9 h 53 min
